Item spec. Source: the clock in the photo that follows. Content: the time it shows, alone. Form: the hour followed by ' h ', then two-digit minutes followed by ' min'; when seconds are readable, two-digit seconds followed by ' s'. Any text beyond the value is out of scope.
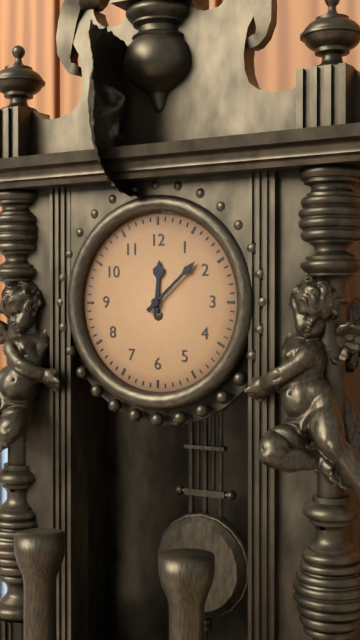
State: 12 h 08 min
